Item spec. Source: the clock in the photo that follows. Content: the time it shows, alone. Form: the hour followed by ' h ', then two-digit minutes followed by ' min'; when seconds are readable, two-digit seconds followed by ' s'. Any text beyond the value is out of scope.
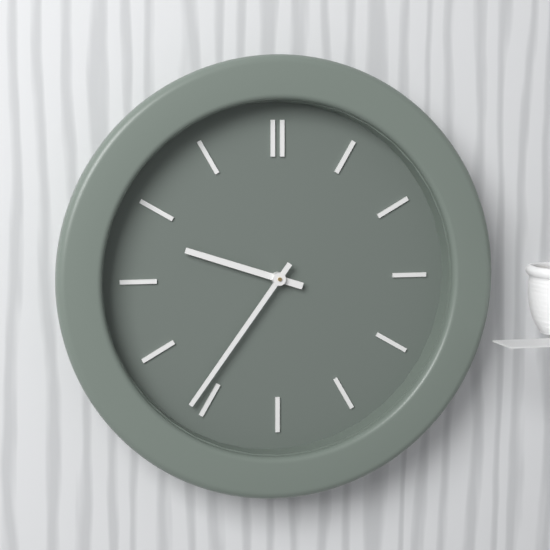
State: 9 h 36 min
